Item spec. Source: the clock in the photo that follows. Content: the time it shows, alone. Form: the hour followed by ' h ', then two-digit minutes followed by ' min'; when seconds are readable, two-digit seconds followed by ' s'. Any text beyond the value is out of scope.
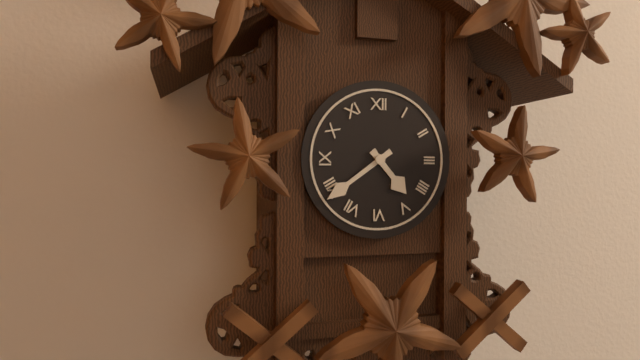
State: 4 h 39 min
